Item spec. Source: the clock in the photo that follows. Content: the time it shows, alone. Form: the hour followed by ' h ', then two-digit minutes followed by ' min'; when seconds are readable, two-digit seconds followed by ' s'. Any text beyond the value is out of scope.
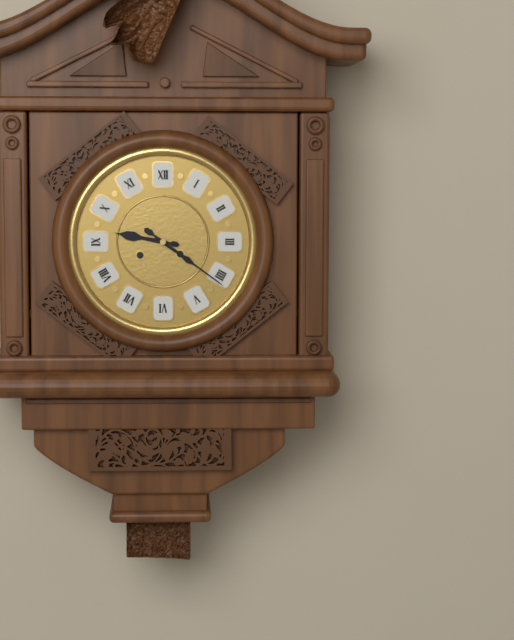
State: 9 h 21 min
